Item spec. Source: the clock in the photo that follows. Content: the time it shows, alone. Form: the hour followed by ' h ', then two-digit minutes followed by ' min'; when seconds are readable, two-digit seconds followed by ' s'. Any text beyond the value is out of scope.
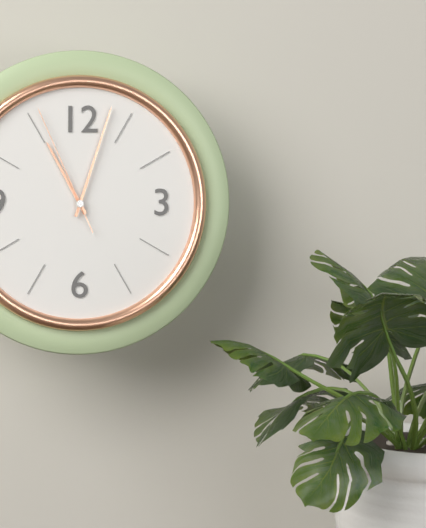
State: 11 h 03 min 56 s
